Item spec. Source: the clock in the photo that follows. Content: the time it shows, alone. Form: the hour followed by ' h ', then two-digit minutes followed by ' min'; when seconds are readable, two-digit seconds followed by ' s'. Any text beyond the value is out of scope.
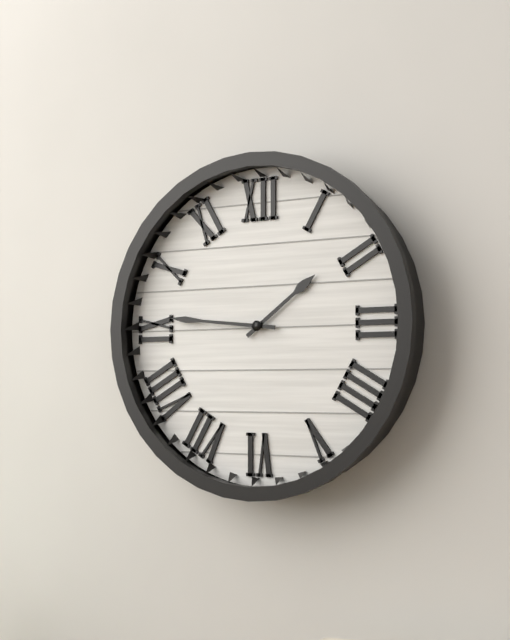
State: 1 h 46 min
